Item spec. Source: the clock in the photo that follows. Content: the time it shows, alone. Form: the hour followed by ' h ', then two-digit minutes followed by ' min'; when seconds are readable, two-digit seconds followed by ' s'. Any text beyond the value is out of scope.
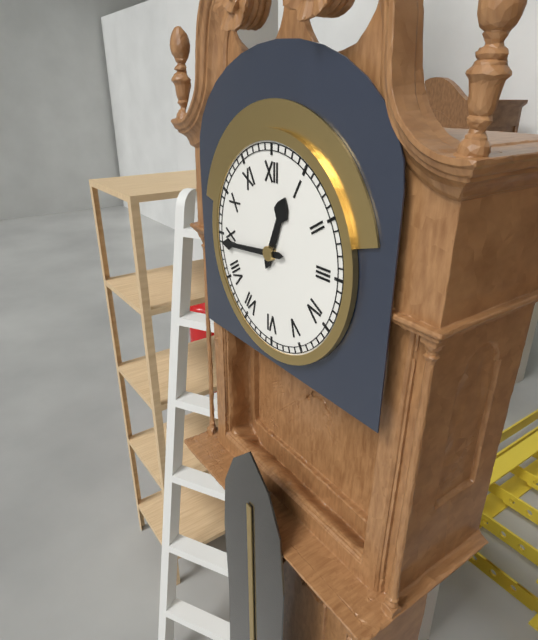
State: 12 h 44 min
